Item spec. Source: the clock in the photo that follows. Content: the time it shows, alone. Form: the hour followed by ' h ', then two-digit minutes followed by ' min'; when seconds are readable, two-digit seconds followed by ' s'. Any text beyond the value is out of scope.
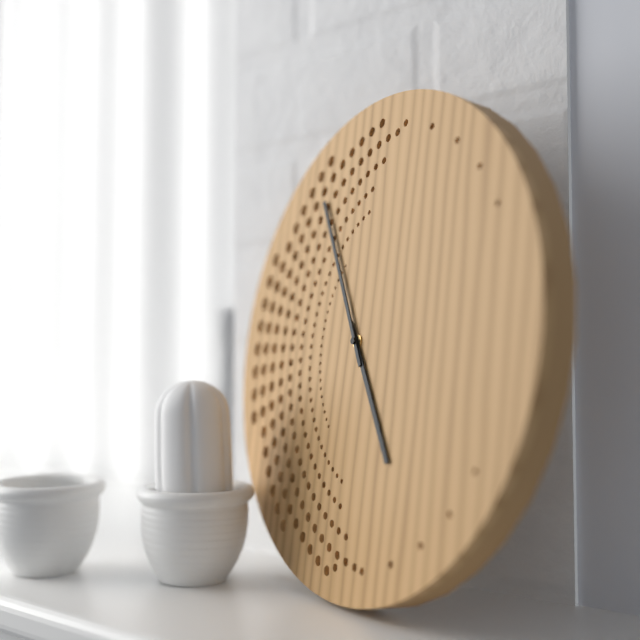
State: 4 h 55 min
